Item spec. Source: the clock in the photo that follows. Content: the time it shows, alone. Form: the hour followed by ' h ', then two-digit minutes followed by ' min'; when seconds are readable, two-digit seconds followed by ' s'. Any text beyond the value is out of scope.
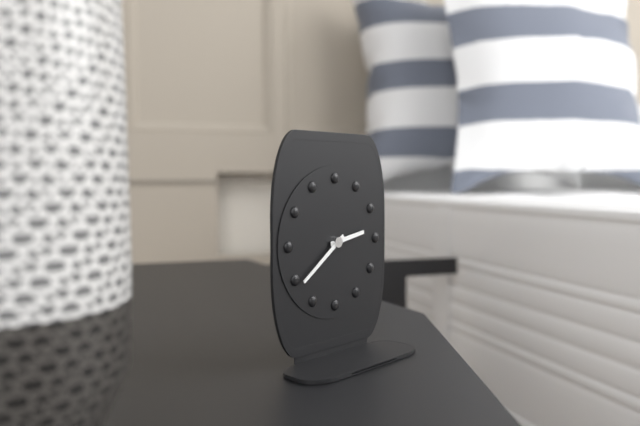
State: 2 h 39 min
